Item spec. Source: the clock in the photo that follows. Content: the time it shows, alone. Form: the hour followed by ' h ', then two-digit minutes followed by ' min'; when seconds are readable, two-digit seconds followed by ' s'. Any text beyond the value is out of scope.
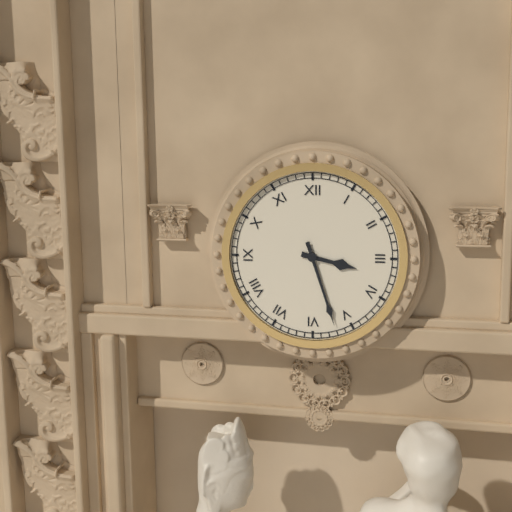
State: 3 h 27 min
